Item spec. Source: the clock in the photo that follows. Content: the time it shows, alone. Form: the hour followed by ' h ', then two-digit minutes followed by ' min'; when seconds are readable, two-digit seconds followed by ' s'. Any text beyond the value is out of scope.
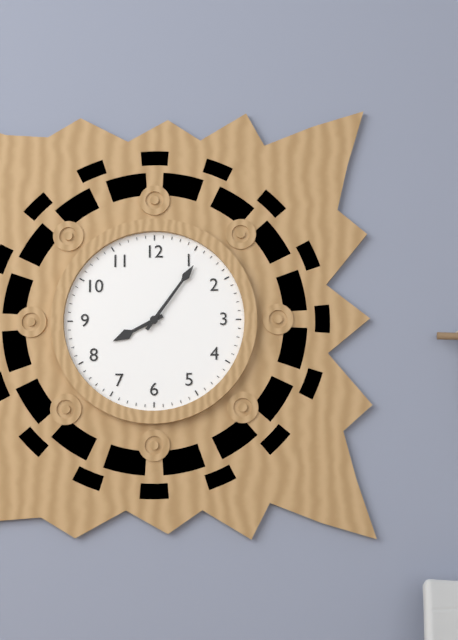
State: 8 h 06 min
